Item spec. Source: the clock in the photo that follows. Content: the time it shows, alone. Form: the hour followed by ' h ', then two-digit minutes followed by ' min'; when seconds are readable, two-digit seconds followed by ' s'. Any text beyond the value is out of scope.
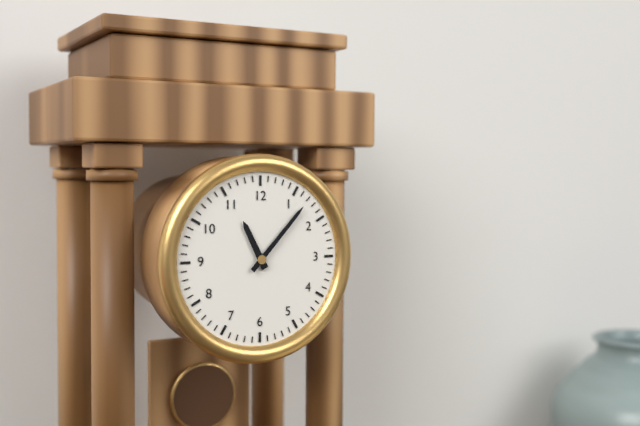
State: 11 h 07 min
